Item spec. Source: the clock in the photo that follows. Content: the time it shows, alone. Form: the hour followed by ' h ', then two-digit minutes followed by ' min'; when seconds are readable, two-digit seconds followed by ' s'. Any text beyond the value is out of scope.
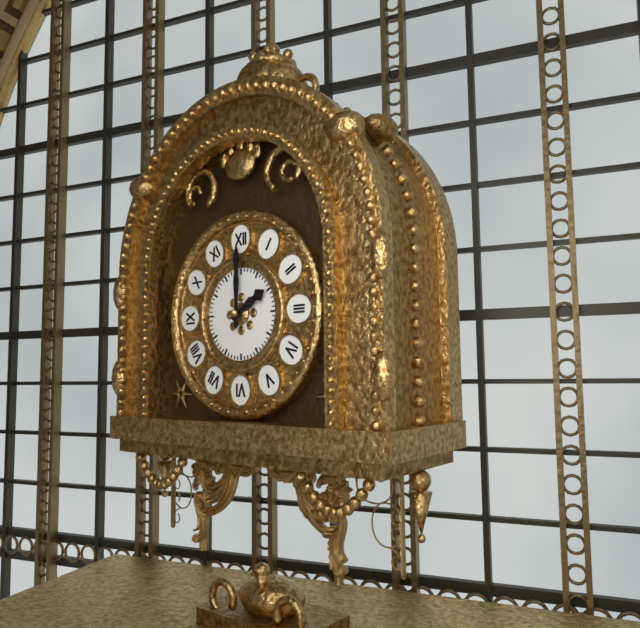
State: 2 h 00 min
